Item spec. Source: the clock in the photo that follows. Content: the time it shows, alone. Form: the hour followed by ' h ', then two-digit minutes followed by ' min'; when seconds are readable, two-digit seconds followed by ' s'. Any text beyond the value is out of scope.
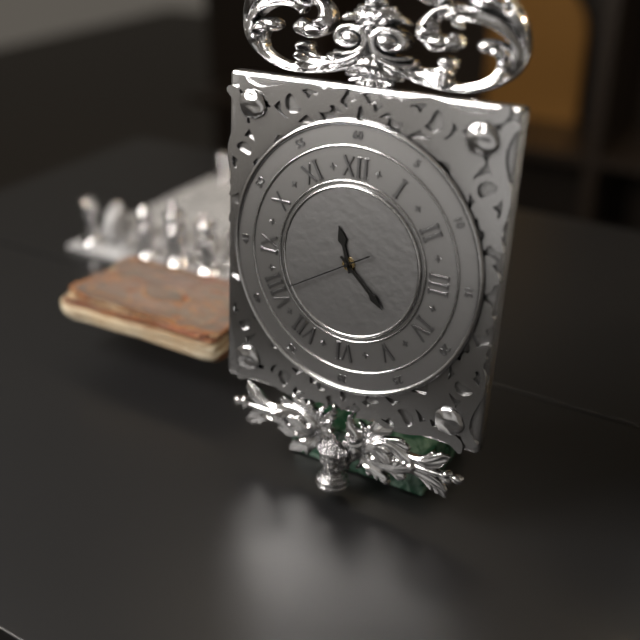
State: 11 h 22 min 40 s
